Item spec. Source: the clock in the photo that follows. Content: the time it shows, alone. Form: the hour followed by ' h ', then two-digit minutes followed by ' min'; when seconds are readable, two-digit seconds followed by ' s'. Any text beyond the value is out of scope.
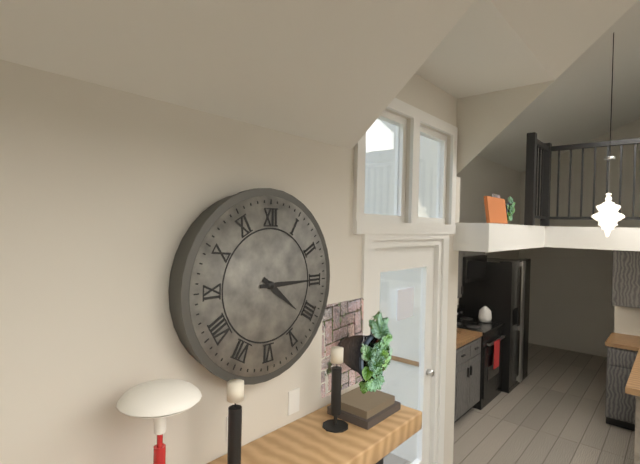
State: 4 h 15 min
